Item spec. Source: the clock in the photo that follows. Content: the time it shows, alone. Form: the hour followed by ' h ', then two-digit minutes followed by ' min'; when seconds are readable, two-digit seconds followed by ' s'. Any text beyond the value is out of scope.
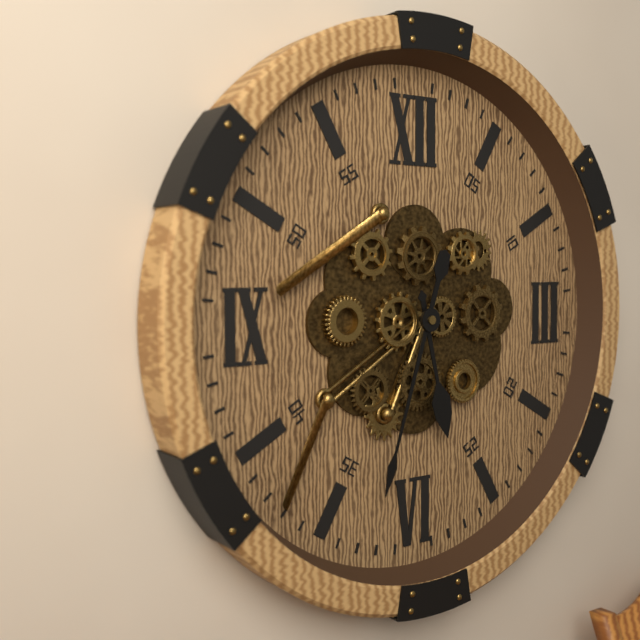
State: 5 h 33 min
